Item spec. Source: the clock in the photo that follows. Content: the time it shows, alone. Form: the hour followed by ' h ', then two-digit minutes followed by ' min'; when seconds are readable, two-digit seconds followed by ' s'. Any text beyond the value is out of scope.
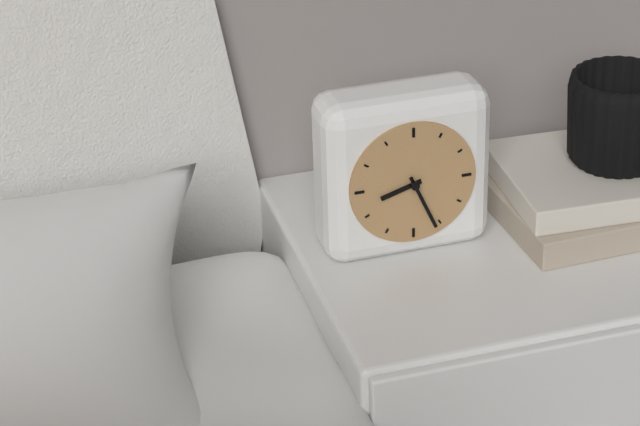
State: 8 h 26 min
